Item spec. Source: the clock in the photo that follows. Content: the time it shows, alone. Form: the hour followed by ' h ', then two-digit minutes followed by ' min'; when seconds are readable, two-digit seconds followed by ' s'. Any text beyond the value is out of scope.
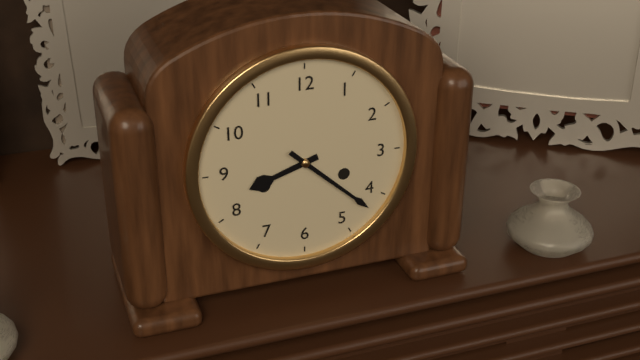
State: 8 h 22 min
